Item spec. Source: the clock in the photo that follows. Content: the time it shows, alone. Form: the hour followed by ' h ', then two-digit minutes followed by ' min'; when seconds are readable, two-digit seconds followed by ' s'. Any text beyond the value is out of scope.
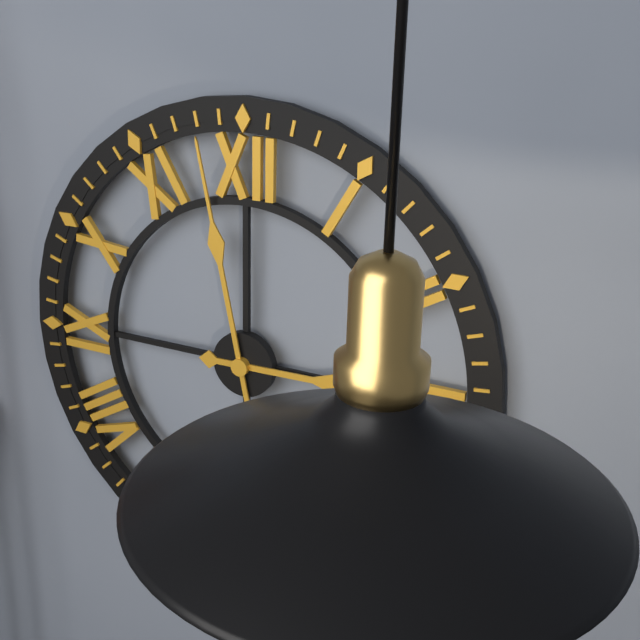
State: 2 h 58 min
